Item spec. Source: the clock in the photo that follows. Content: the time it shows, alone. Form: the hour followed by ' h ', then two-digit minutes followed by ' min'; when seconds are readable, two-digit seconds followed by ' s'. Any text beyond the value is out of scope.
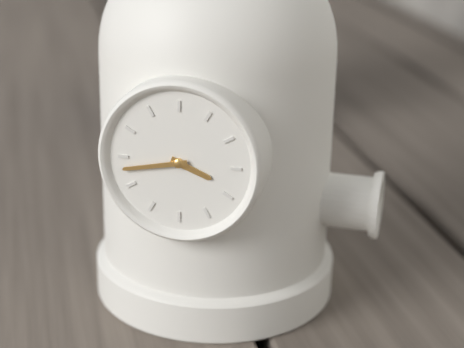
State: 3 h 43 min
